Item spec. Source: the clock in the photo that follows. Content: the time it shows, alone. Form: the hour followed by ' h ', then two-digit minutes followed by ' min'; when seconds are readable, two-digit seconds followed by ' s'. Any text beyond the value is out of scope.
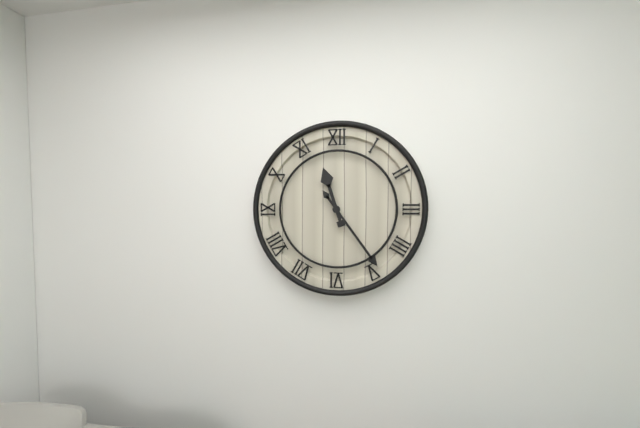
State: 11 h 24 min
